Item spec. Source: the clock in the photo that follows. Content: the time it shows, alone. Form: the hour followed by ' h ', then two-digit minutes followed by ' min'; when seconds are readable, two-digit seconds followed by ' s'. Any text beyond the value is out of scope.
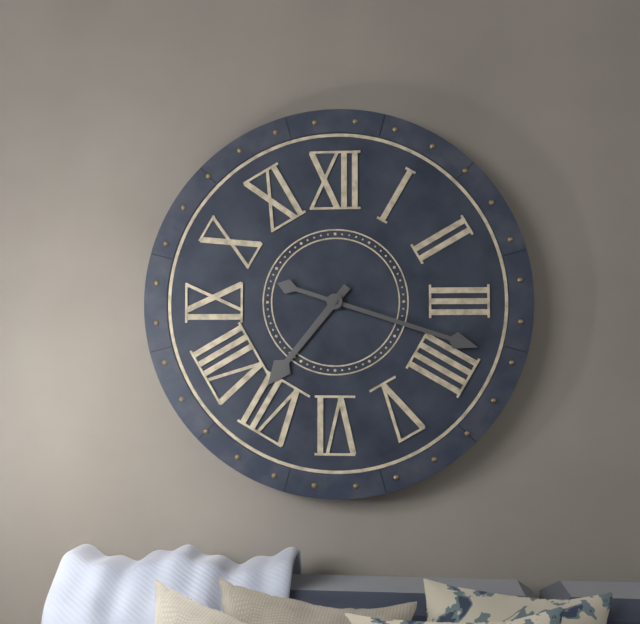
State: 7 h 18 min
